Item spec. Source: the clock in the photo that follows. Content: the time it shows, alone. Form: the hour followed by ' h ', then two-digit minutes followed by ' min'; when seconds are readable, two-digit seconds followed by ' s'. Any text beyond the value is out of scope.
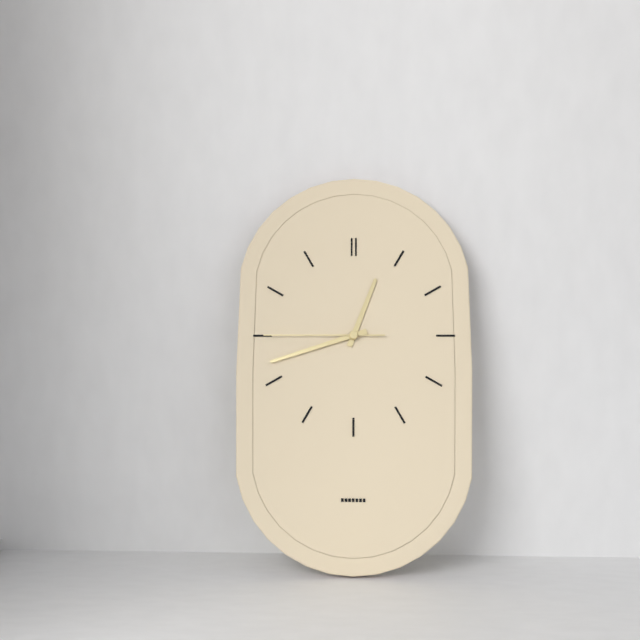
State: 12 h 42 min 45 s
